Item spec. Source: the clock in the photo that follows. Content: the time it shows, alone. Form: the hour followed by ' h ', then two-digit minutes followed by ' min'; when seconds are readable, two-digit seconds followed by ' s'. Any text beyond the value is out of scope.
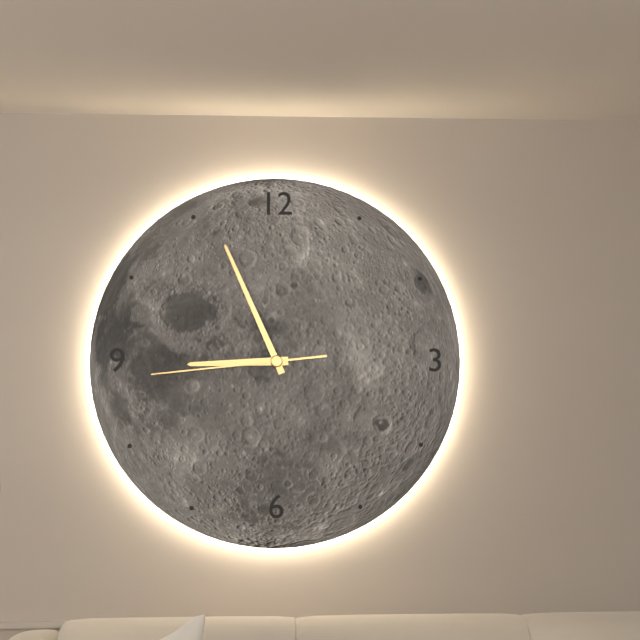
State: 8 h 56 min 44 s
